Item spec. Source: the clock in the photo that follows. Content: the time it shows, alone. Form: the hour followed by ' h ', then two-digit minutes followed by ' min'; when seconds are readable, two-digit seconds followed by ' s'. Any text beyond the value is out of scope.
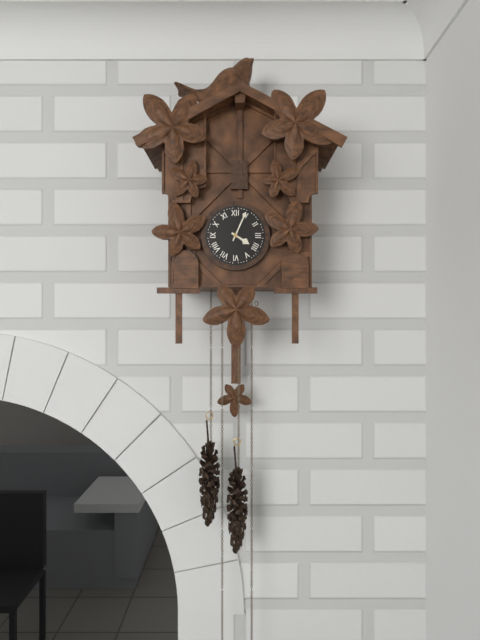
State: 4 h 04 min
